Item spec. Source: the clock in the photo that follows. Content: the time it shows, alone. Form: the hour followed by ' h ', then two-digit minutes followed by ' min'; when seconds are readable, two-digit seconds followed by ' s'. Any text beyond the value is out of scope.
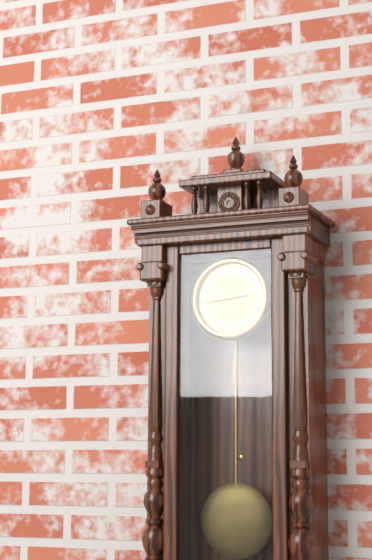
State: 2 h 44 min
